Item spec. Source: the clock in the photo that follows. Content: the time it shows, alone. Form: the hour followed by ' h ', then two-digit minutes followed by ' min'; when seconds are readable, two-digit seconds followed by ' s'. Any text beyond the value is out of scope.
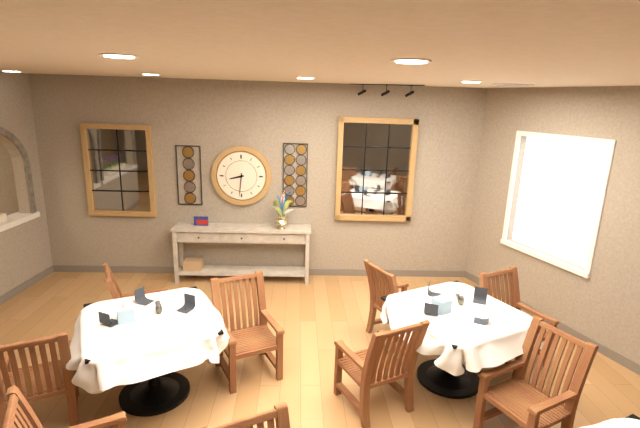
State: 8 h 31 min
